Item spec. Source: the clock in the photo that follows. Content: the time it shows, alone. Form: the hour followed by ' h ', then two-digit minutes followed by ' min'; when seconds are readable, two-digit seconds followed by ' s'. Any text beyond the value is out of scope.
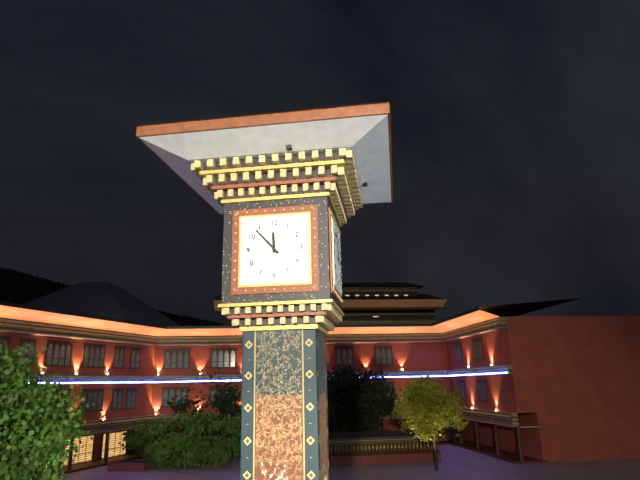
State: 11 h 53 min
